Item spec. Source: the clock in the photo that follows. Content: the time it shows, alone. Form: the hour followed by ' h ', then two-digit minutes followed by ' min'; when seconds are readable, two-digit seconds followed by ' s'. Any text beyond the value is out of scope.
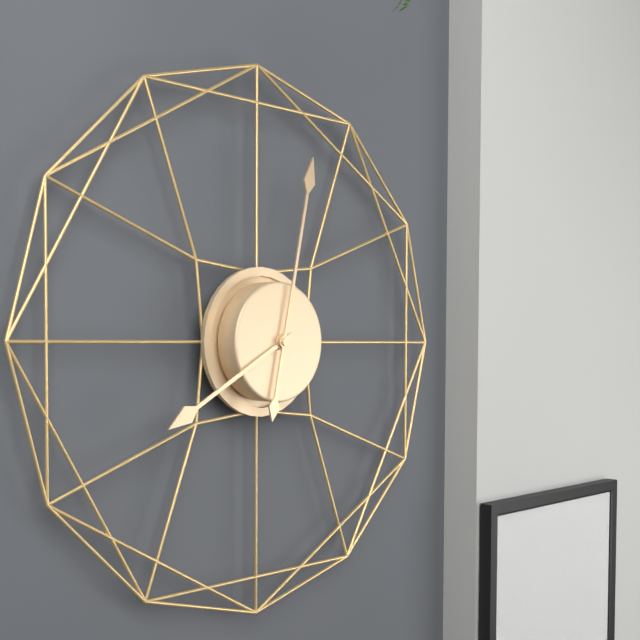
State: 8 h 02 min
